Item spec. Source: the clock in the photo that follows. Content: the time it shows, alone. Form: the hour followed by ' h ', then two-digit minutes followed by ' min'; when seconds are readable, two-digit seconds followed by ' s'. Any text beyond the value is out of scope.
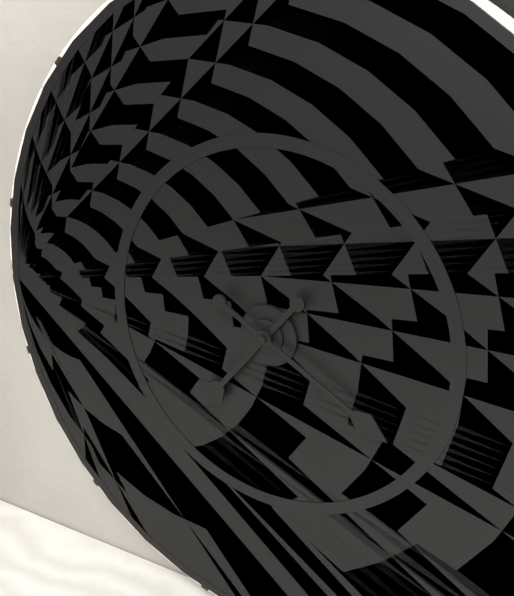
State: 7 h 20 min
